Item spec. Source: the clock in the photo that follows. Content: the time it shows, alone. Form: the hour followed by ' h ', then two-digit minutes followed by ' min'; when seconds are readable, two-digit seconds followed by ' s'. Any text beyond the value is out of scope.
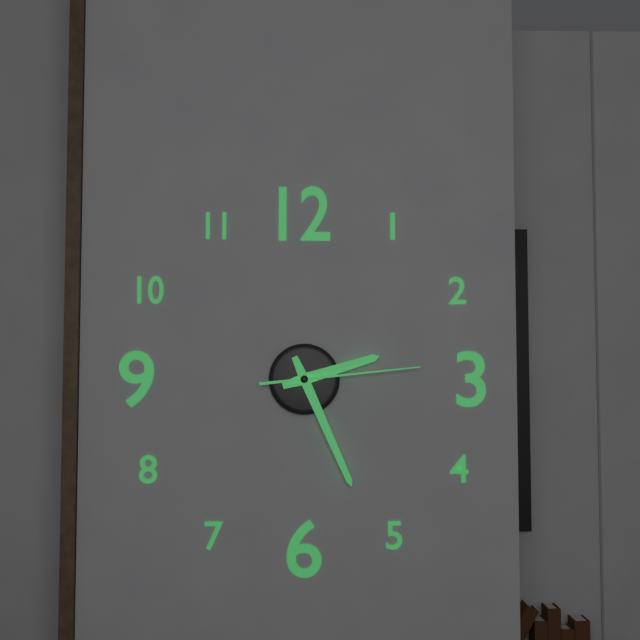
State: 2 h 26 min 14 s
